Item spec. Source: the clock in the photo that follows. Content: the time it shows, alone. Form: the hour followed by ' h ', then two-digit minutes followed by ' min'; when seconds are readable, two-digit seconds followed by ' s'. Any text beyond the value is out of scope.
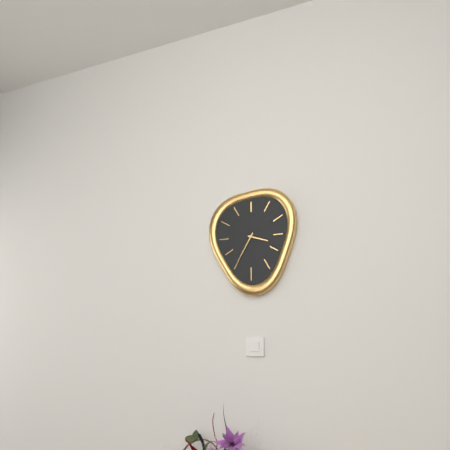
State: 3 h 35 min
